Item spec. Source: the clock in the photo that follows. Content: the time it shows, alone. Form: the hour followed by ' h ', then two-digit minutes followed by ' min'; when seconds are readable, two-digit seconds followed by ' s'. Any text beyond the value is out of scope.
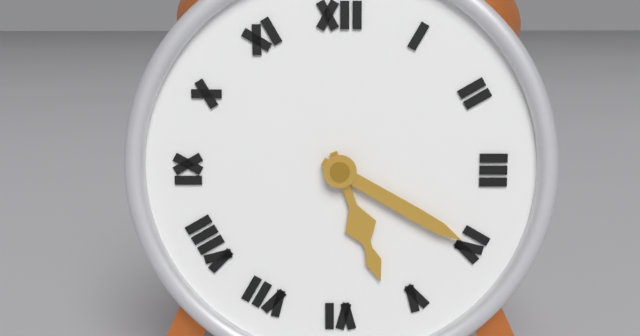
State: 5 h 20 min
